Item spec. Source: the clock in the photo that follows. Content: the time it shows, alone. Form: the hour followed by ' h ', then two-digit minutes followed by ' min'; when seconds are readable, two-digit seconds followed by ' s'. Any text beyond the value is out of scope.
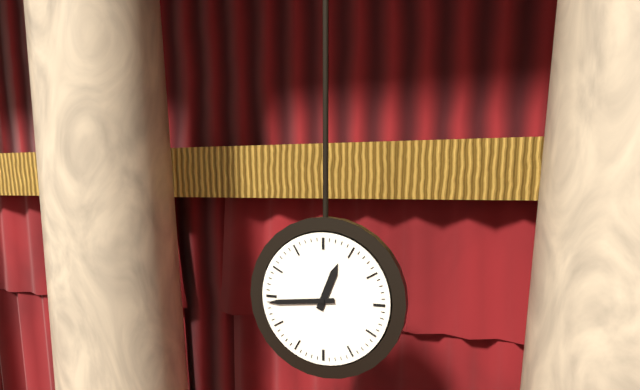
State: 12 h 44 min
